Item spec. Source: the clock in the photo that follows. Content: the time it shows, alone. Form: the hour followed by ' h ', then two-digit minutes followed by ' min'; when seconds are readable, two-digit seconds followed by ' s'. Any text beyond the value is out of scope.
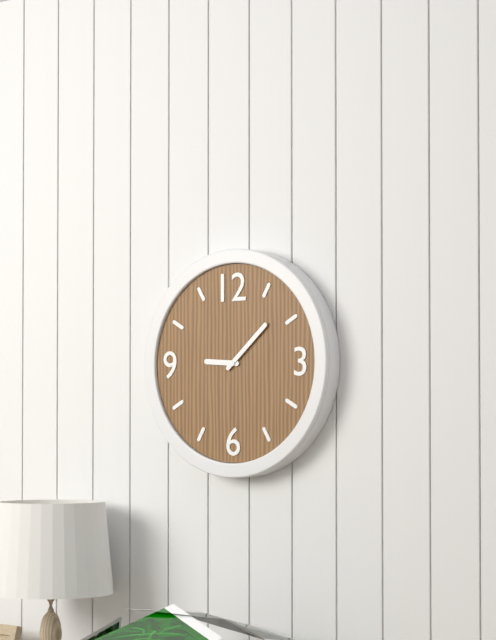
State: 9 h 08 min
